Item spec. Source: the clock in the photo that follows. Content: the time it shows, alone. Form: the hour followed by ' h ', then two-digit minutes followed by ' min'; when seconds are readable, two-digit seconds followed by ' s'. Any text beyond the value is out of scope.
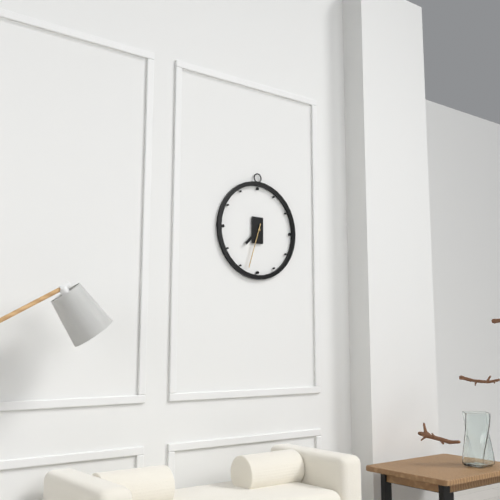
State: 7 h 33 min
